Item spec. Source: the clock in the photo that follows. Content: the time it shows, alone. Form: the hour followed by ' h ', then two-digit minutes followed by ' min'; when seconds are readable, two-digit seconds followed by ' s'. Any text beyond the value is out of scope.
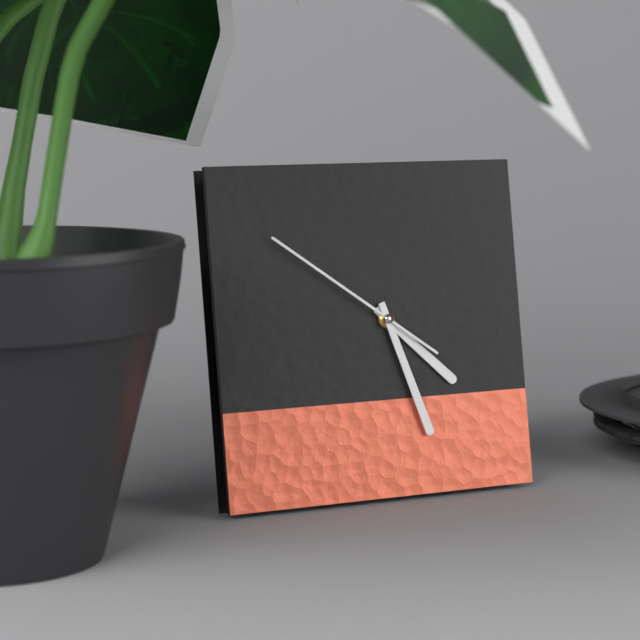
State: 4 h 27 min 51 s
